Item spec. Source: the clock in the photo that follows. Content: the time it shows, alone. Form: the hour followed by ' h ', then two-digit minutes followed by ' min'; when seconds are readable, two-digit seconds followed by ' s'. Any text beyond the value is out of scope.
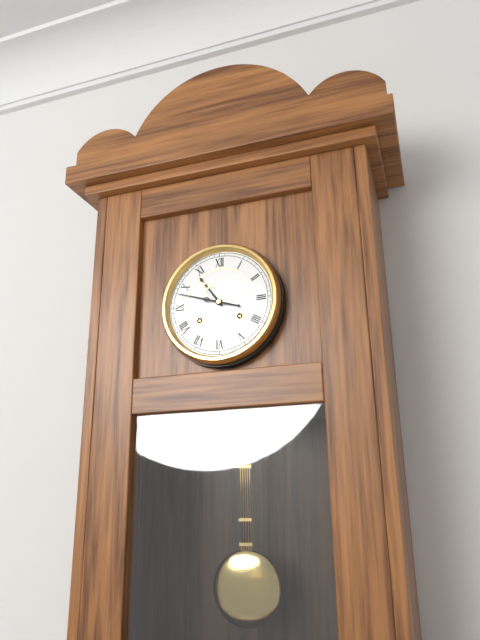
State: 10 h 48 min
